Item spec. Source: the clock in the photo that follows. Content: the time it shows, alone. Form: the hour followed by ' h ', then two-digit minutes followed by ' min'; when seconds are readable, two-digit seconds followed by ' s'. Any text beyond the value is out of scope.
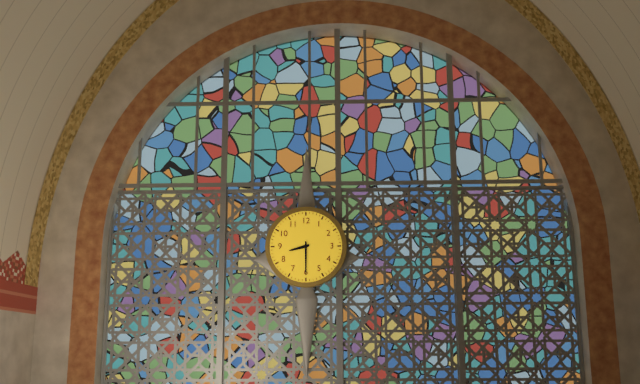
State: 8 h 30 min
